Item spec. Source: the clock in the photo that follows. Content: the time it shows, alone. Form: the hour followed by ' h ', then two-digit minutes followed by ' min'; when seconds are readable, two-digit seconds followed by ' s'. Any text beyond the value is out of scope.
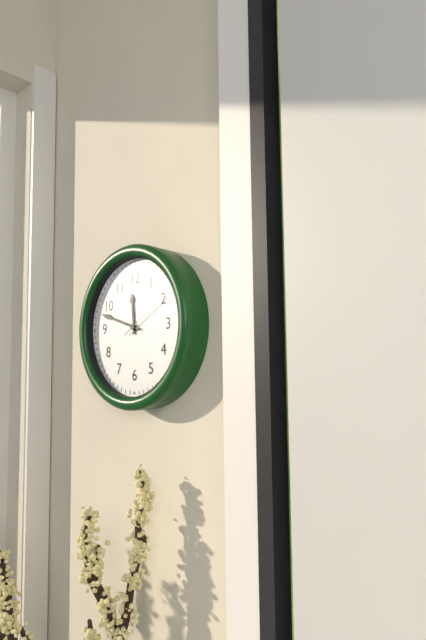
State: 11 h 48 min 10 s
